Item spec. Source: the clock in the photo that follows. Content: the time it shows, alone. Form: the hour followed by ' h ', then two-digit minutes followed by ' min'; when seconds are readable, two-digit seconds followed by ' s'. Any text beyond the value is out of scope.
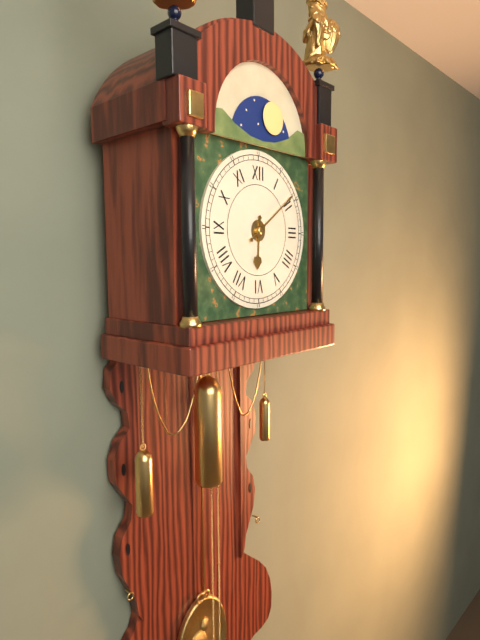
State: 6 h 09 min
